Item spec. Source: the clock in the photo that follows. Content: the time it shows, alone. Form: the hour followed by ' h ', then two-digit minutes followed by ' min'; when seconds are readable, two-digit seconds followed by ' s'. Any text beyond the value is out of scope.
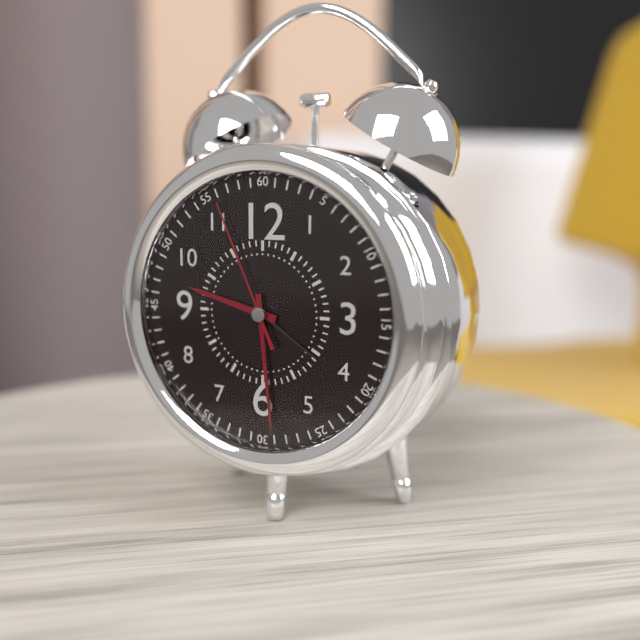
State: 9 h 29 min 56 s
